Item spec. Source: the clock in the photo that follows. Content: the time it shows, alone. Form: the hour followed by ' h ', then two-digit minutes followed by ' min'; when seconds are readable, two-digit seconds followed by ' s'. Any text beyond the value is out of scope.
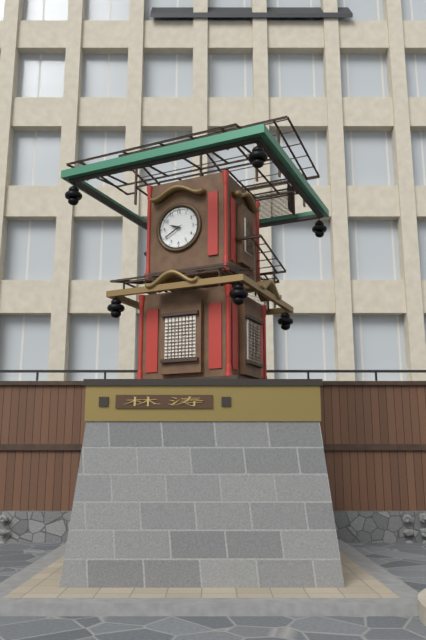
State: 9 h 40 min
